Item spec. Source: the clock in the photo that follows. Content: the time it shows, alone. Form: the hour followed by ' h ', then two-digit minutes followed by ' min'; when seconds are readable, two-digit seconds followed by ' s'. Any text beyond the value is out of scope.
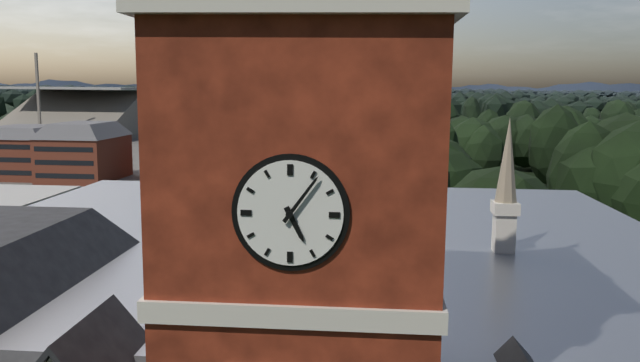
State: 5 h 06 min
